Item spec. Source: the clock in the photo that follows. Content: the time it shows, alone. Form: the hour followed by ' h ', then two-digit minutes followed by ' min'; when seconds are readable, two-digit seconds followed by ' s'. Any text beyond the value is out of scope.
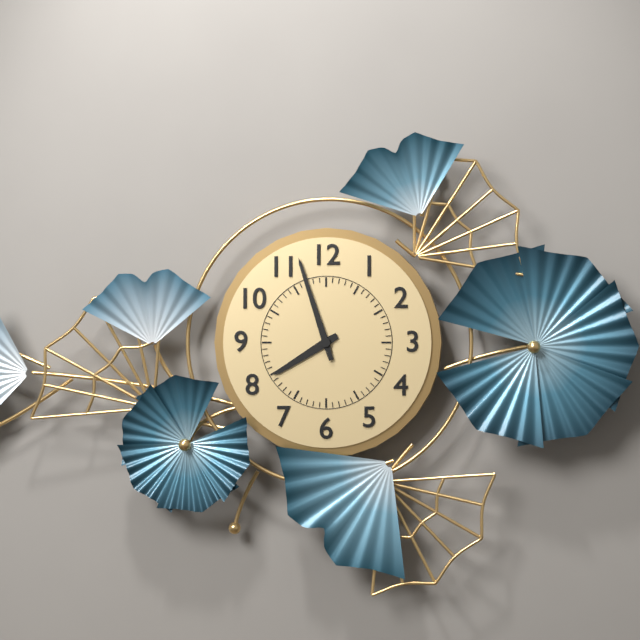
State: 7 h 57 min
